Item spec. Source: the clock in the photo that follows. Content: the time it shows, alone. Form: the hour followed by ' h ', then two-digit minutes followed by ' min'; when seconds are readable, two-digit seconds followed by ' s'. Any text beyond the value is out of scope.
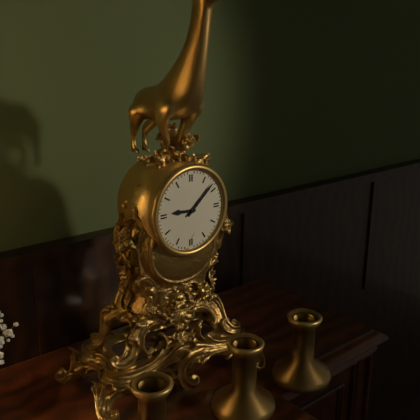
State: 9 h 08 min
